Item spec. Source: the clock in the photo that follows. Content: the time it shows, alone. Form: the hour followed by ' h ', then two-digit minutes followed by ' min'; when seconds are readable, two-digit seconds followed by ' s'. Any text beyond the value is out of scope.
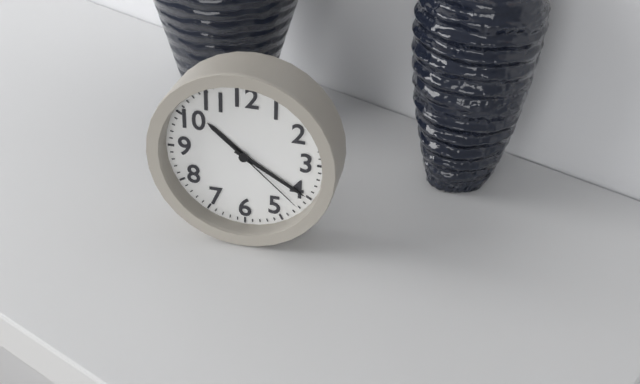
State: 10 h 20 min 22 s
